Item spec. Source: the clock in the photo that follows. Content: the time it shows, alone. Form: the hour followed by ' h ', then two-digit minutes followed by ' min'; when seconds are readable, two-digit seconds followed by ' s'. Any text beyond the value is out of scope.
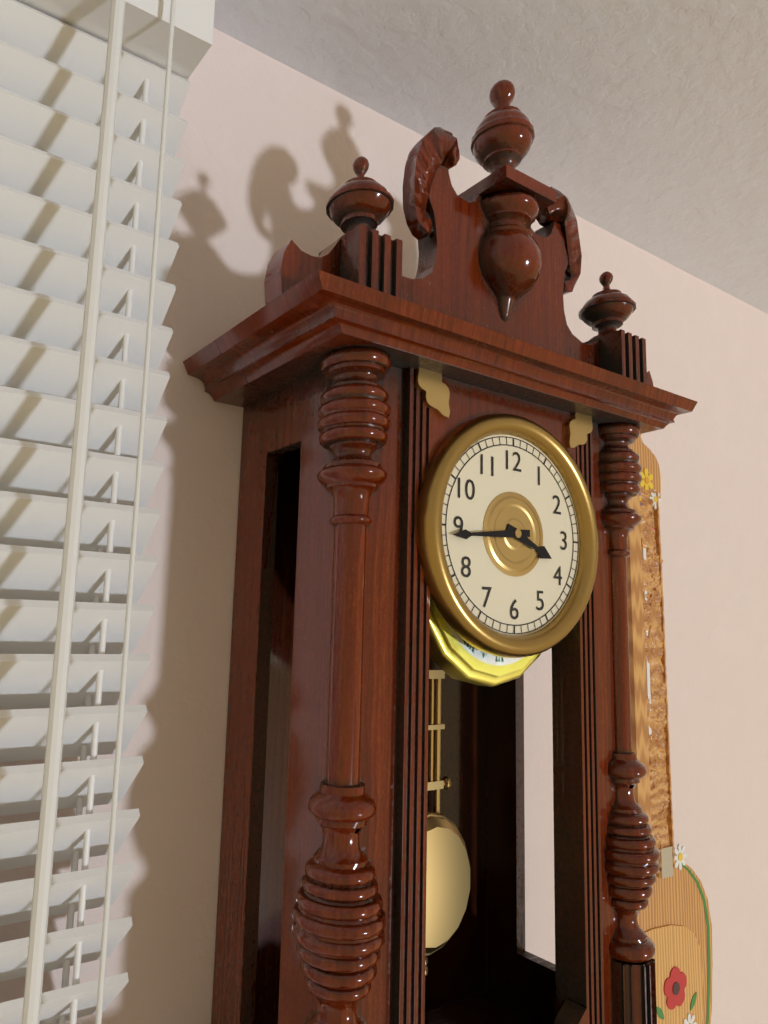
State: 3 h 44 min
